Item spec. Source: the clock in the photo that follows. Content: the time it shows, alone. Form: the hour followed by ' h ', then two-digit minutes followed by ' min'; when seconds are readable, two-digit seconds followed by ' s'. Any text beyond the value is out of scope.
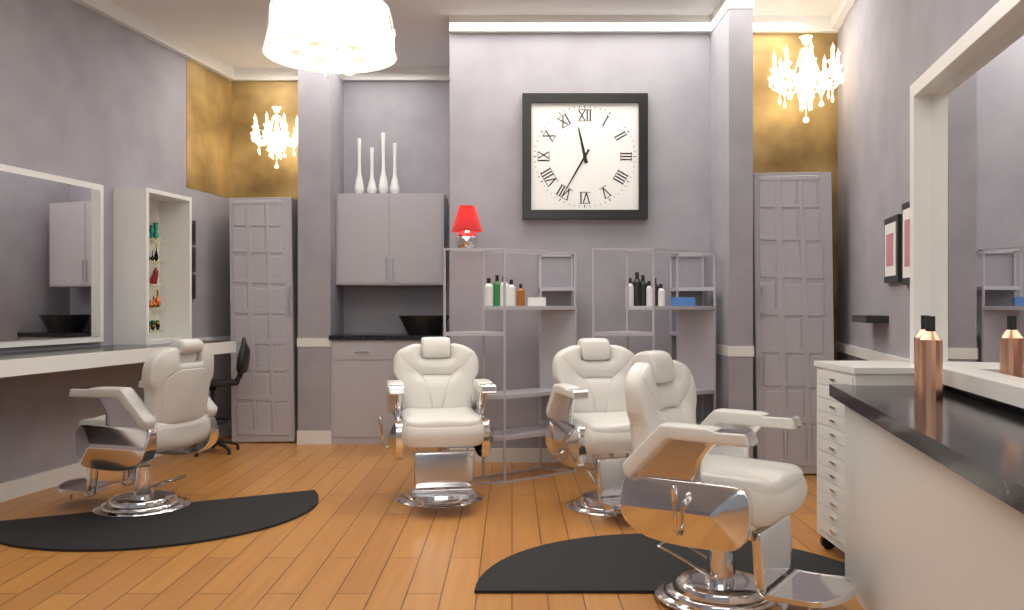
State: 11 h 35 min
